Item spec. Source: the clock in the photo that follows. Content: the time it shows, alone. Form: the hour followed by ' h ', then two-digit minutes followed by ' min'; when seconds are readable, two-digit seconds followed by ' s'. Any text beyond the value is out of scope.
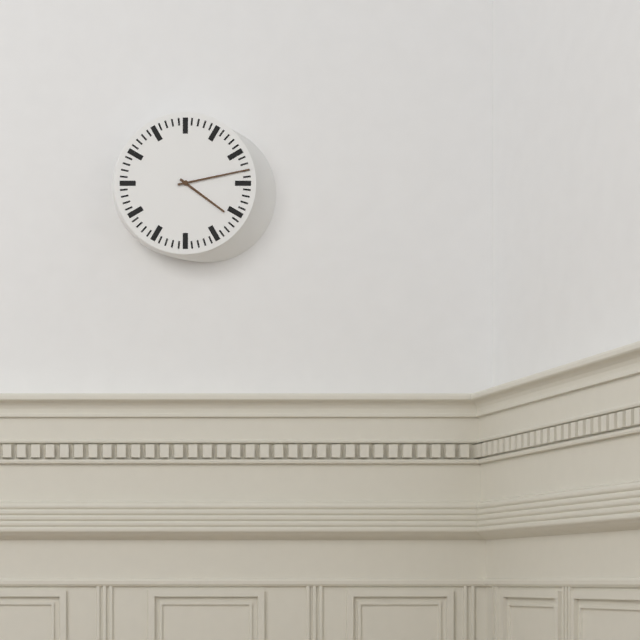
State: 4 h 13 min
